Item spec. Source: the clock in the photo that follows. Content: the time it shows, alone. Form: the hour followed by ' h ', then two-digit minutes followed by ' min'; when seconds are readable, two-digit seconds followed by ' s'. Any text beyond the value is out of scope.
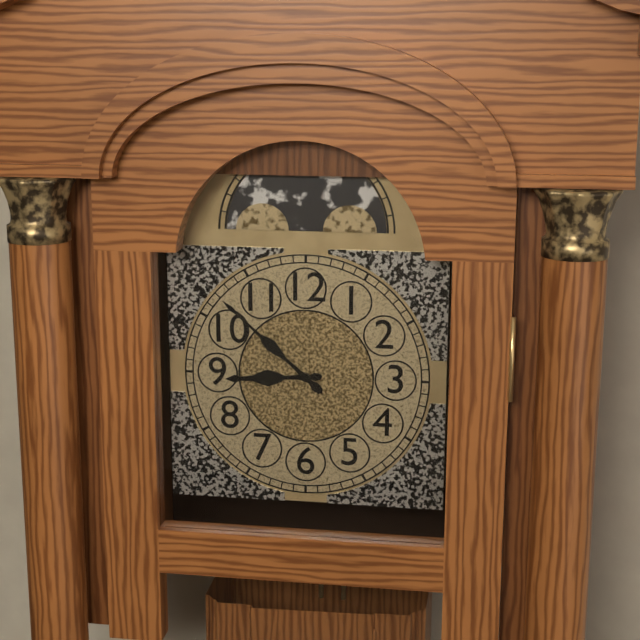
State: 8 h 52 min
